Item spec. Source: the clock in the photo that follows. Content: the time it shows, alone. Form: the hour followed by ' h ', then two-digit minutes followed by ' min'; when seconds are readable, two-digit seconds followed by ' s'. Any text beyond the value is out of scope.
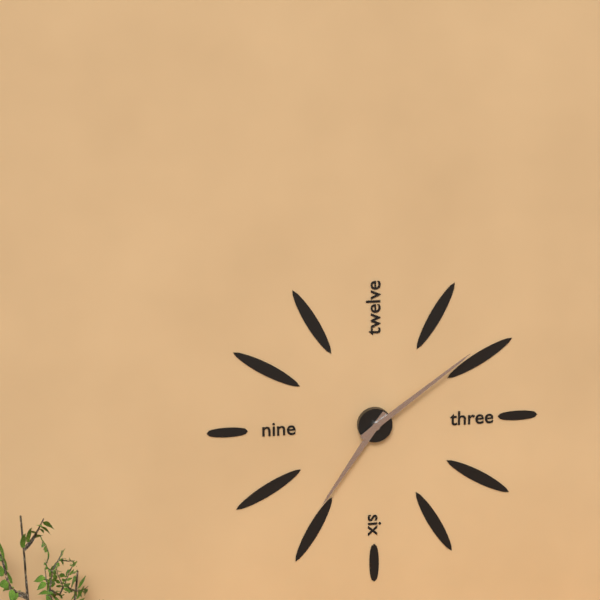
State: 7 h 09 min
